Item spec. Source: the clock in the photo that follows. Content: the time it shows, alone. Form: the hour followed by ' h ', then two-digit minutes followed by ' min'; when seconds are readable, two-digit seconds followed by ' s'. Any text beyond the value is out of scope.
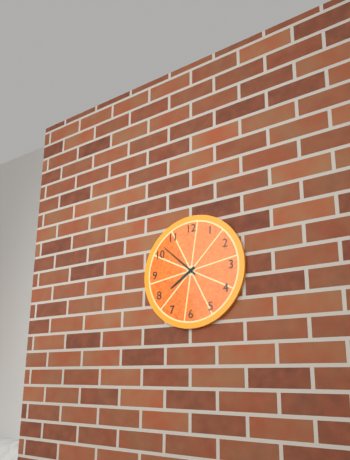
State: 7 h 52 min
